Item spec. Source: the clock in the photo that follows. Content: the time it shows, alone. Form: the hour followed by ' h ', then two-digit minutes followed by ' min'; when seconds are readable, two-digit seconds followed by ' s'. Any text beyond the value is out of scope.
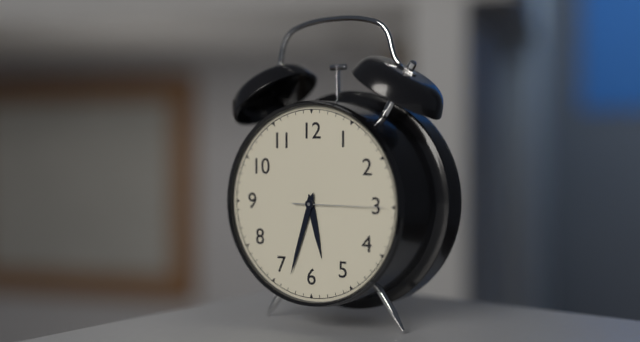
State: 5 h 33 min 15 s
